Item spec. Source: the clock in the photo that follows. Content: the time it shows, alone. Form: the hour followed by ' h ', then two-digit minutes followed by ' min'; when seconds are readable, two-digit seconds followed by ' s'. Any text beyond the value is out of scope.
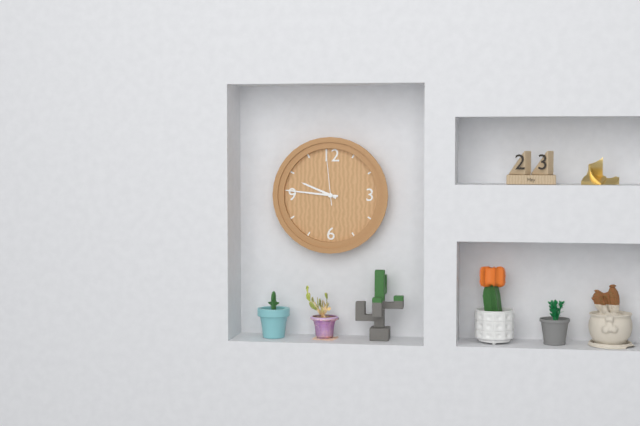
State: 9 h 46 min 59 s
